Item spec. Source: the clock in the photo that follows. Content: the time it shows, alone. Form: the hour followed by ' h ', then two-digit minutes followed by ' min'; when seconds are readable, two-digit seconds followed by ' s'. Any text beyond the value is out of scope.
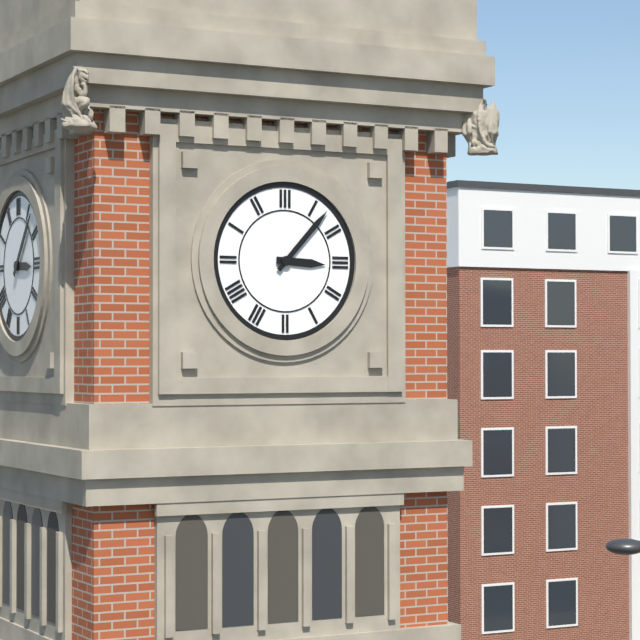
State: 3 h 07 min
